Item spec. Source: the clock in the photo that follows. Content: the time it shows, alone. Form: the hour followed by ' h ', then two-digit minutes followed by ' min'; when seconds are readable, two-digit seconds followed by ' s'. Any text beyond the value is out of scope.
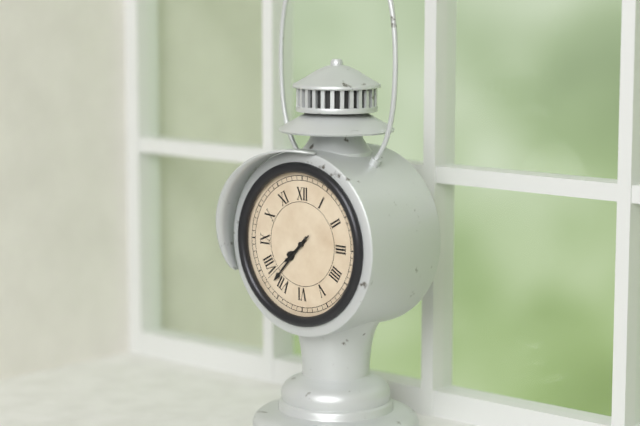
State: 7 h 37 min 38 s
